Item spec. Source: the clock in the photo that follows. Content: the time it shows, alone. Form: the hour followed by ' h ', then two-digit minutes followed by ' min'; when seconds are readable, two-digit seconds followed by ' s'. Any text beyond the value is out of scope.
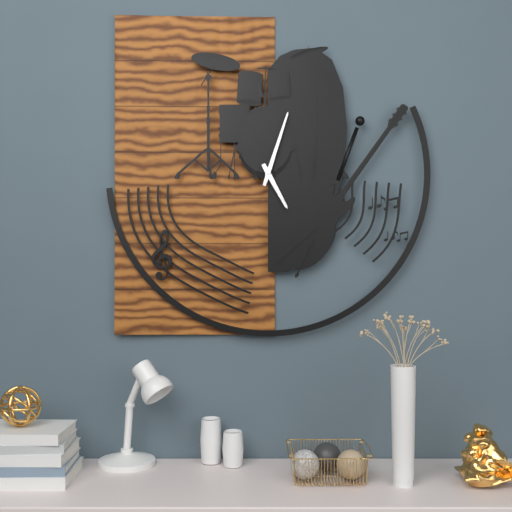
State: 5 h 03 min
